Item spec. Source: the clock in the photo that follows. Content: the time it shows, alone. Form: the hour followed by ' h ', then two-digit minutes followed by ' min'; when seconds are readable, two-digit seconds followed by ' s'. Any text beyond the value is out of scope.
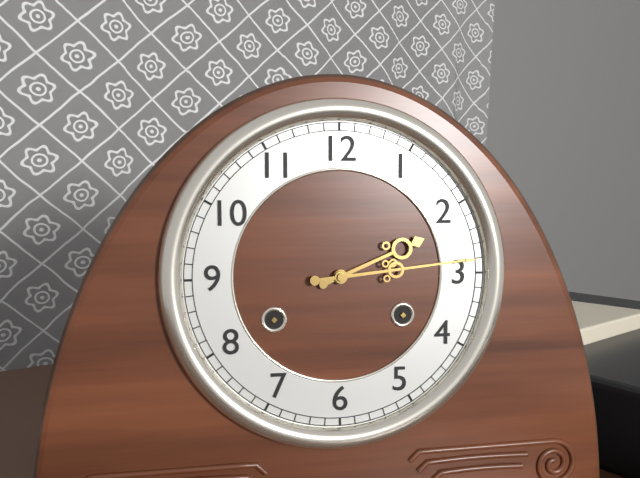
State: 2 h 14 min
